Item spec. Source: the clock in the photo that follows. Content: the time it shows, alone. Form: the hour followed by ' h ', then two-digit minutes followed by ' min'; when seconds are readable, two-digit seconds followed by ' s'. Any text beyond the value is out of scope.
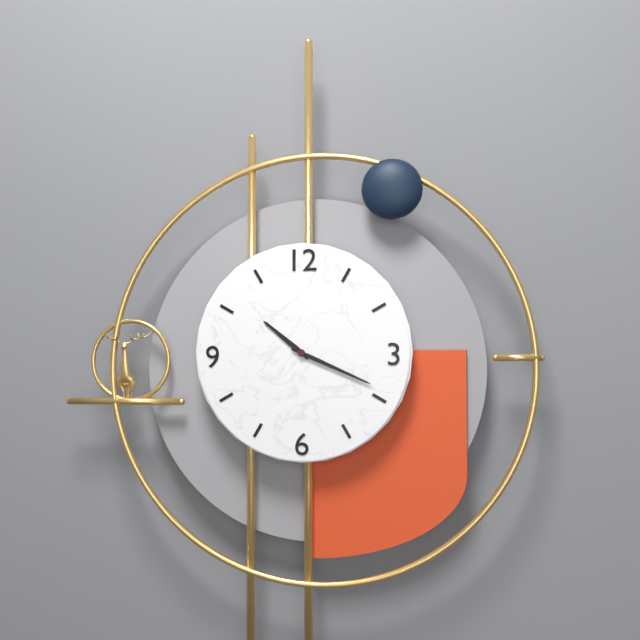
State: 10 h 19 min
